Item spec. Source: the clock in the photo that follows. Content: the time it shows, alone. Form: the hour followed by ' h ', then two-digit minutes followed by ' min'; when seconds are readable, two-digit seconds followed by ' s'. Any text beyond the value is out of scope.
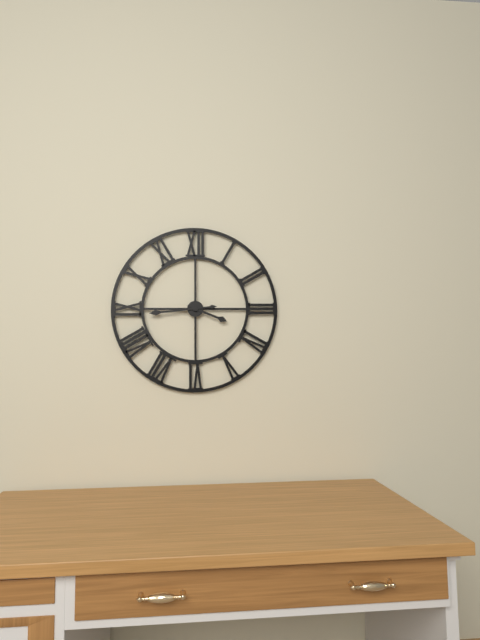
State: 3 h 44 min
